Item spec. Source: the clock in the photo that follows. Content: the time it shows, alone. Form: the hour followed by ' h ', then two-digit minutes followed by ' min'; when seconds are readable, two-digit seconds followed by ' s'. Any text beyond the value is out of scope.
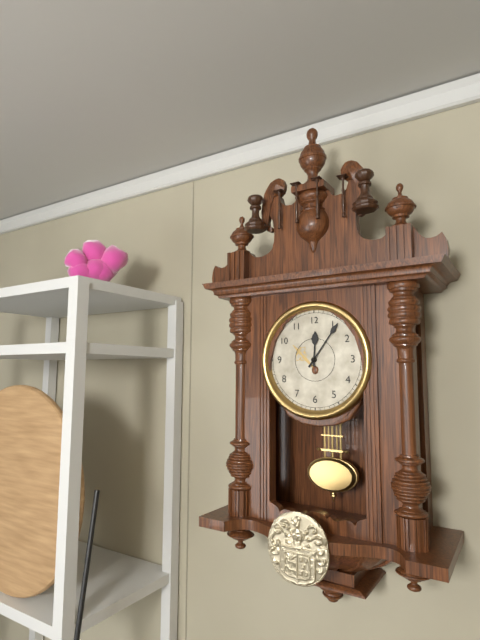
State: 12 h 06 min
